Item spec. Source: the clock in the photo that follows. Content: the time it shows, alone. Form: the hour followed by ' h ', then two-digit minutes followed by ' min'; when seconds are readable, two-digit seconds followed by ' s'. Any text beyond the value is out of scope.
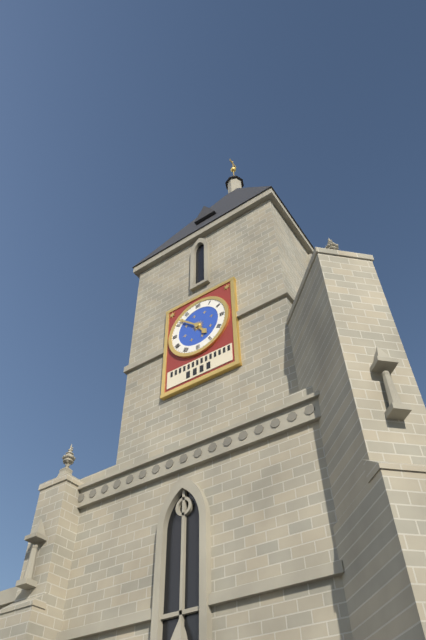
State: 4 h 52 min
